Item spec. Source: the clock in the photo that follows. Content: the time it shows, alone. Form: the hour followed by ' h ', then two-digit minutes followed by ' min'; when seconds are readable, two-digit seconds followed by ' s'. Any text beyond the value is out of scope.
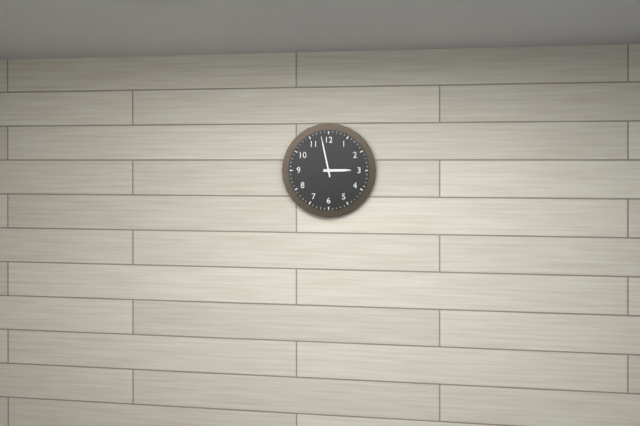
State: 2 h 58 min
